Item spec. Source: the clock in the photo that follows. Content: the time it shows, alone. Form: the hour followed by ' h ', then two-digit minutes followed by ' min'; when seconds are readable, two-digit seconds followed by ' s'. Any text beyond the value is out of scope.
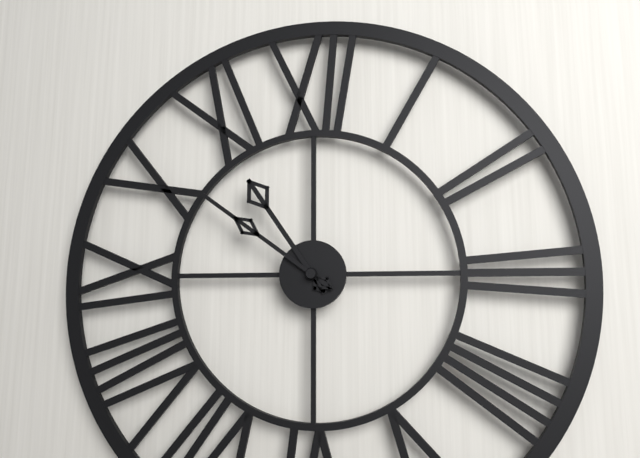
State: 10 h 51 min
